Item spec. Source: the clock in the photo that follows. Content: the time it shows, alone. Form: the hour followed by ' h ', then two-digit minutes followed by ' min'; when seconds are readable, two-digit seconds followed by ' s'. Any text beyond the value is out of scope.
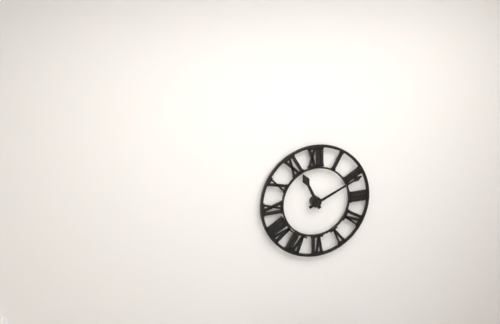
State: 11 h 11 min
